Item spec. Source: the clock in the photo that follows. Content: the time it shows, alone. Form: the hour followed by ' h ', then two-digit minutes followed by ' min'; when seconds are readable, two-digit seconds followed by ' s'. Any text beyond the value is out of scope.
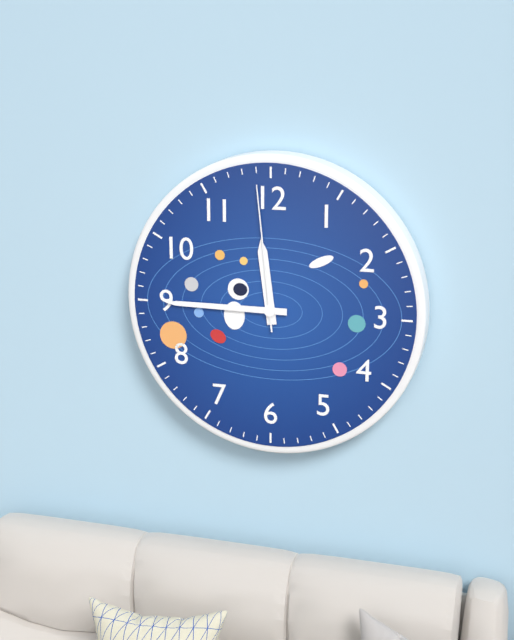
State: 11 h 45 min 59 s
